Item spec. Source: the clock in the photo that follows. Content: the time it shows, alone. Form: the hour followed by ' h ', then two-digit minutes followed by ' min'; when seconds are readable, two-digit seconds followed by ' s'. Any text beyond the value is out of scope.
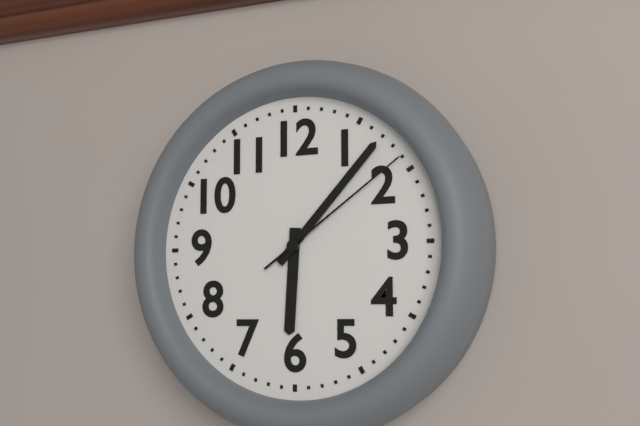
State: 6 h 07 min 09 s
